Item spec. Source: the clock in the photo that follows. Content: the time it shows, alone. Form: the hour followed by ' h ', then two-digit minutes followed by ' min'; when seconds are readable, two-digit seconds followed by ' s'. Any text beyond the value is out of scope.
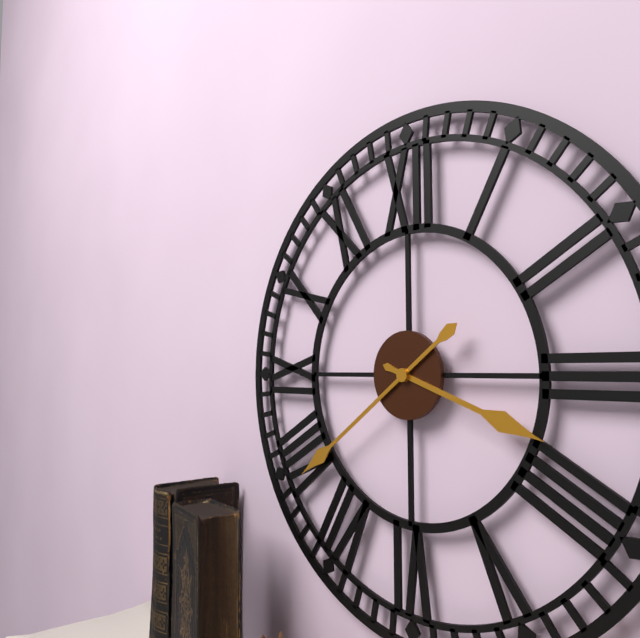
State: 3 h 39 min
